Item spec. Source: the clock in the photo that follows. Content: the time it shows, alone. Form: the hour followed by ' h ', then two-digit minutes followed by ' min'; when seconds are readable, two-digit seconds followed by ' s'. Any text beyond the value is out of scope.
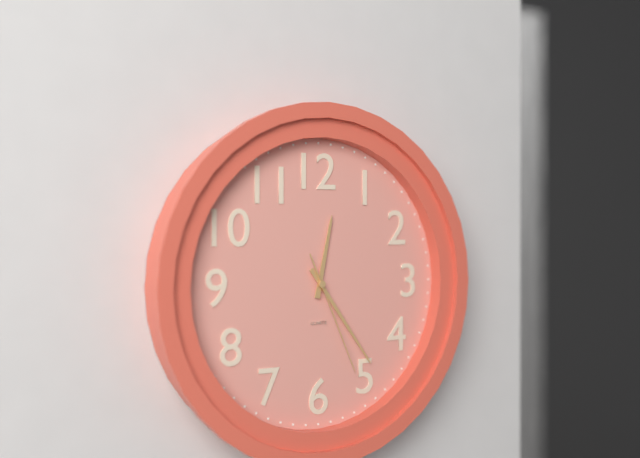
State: 12 h 24 min 26 s
